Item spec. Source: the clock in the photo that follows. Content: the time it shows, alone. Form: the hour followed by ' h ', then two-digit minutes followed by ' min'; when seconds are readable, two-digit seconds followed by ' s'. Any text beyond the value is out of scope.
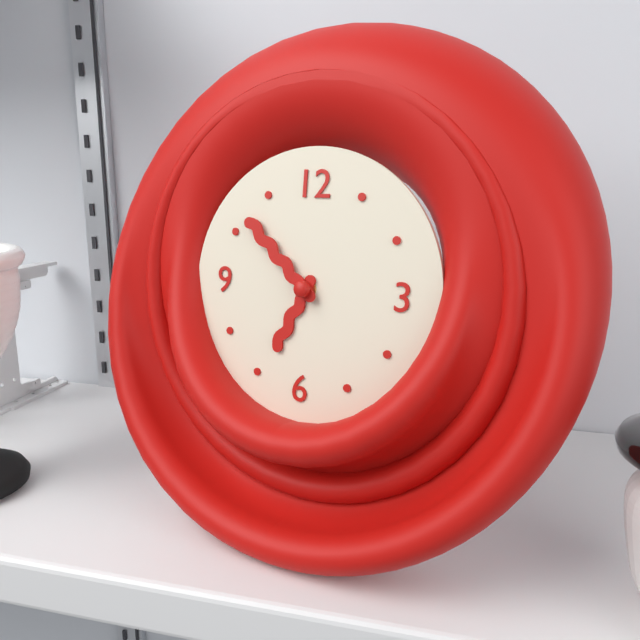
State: 6 h 52 min
